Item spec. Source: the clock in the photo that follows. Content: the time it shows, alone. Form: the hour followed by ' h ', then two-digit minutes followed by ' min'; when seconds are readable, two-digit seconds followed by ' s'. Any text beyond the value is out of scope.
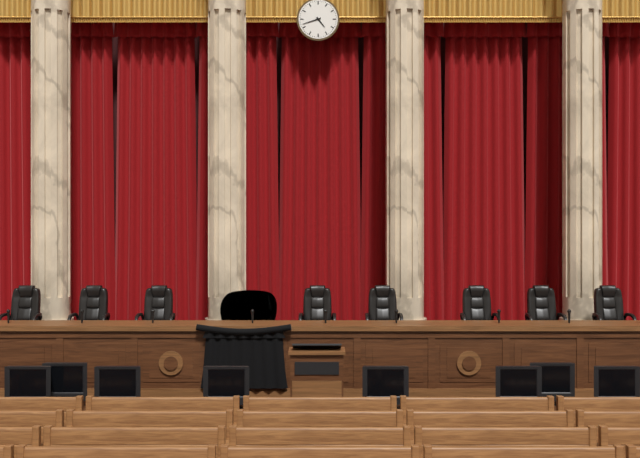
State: 4 h 42 min
